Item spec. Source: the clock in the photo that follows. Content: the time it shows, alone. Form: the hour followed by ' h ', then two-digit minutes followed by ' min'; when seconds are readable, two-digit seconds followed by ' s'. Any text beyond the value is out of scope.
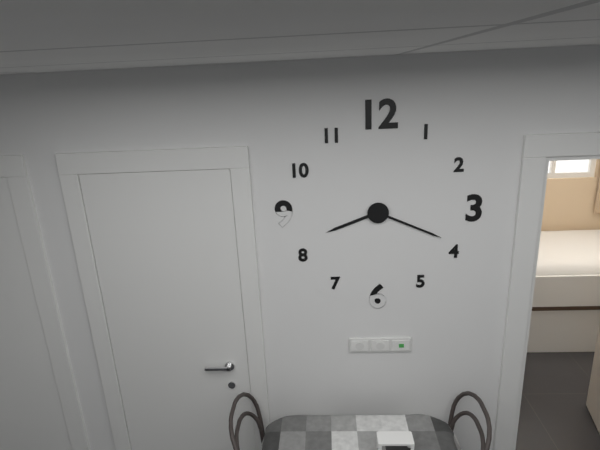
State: 8 h 19 min
